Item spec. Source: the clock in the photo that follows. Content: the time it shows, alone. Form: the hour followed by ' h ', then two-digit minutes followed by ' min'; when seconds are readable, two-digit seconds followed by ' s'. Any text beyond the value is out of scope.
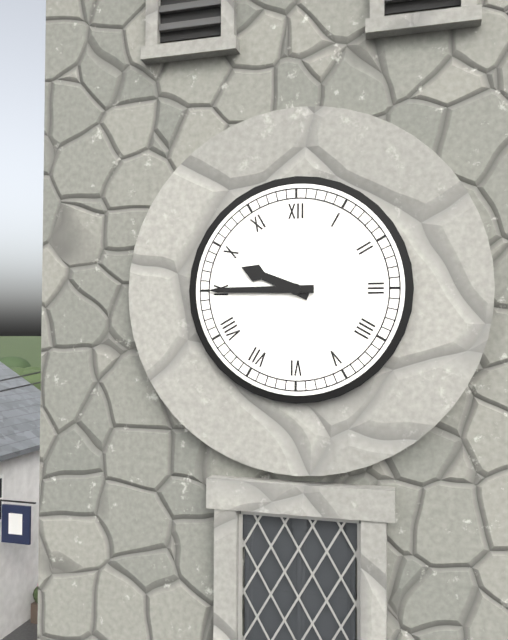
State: 9 h 45 min
